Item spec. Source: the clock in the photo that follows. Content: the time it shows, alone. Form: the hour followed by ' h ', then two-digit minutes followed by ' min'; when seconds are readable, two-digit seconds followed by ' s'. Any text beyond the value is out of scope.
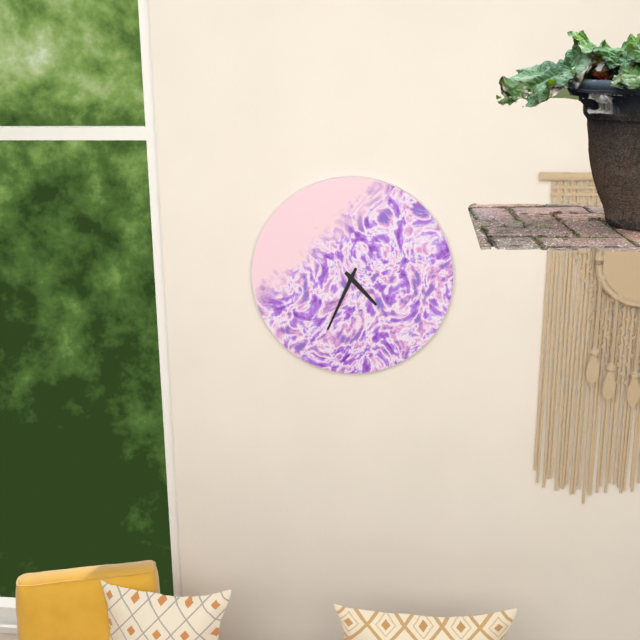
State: 4 h 34 min
